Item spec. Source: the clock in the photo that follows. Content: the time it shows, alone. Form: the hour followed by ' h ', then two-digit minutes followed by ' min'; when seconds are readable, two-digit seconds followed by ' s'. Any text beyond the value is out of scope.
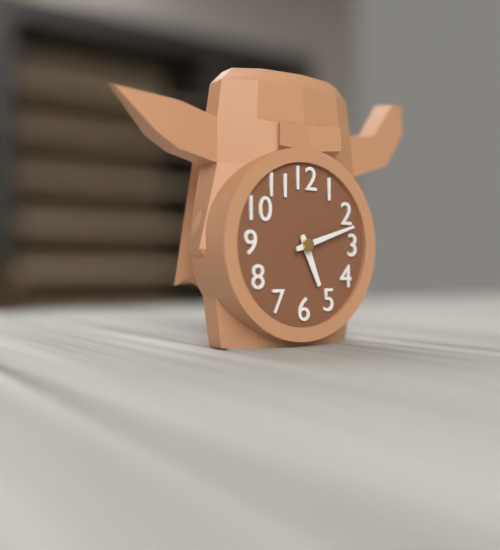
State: 5 h 12 min
